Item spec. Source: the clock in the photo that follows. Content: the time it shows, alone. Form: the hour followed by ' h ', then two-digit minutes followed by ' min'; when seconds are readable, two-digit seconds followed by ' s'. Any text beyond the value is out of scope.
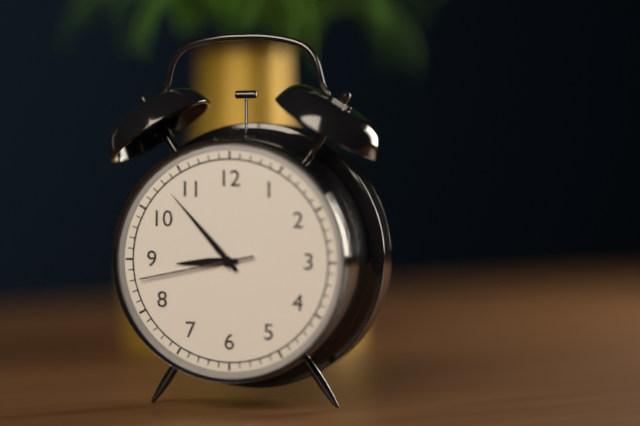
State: 8 h 53 min 43 s
